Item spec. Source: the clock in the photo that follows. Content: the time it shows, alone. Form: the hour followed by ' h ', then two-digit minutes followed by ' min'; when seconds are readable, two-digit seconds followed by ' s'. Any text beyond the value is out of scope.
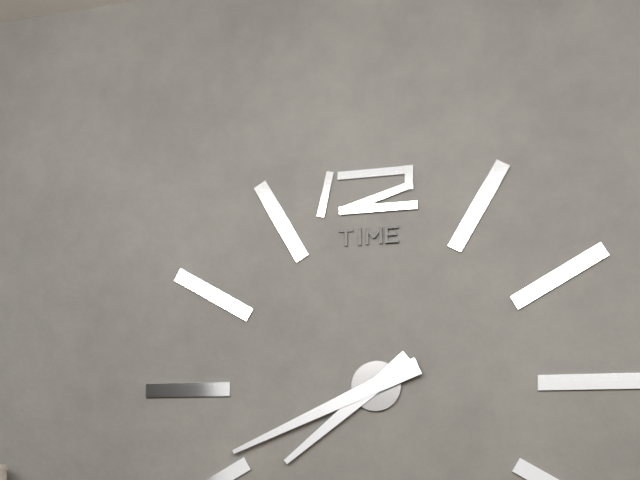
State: 7 h 41 min
